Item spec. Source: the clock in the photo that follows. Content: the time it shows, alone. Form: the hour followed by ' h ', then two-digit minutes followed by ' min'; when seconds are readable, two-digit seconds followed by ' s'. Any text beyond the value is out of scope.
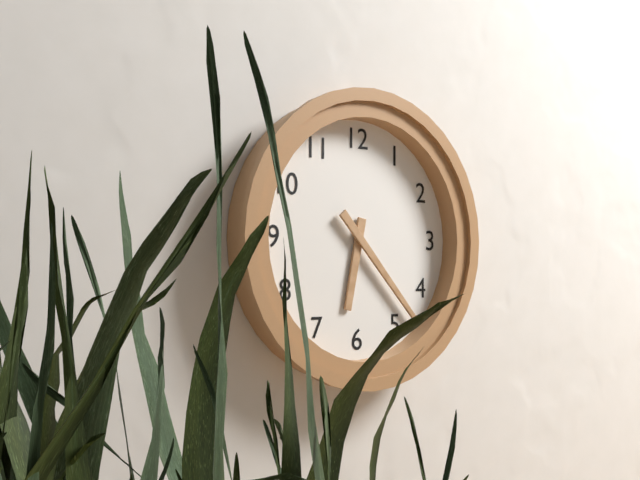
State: 6 h 23 min
